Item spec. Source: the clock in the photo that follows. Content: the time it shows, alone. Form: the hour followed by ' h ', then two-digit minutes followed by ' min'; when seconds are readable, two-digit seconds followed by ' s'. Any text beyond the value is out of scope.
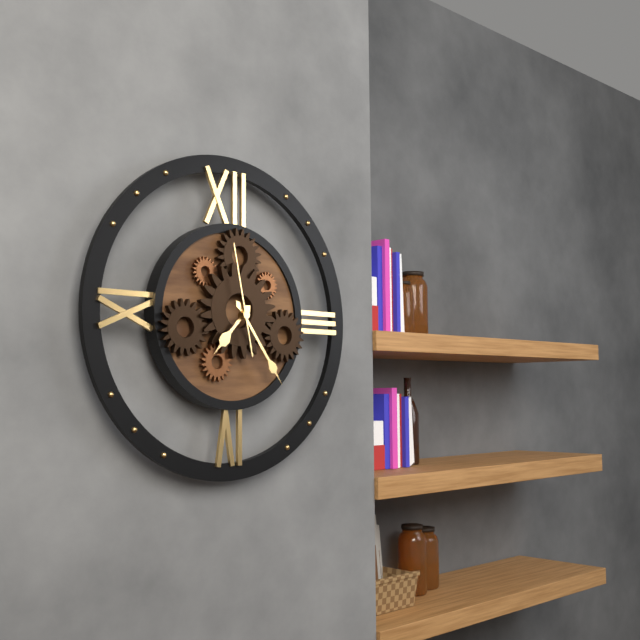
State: 7 h 24 min 58 s
